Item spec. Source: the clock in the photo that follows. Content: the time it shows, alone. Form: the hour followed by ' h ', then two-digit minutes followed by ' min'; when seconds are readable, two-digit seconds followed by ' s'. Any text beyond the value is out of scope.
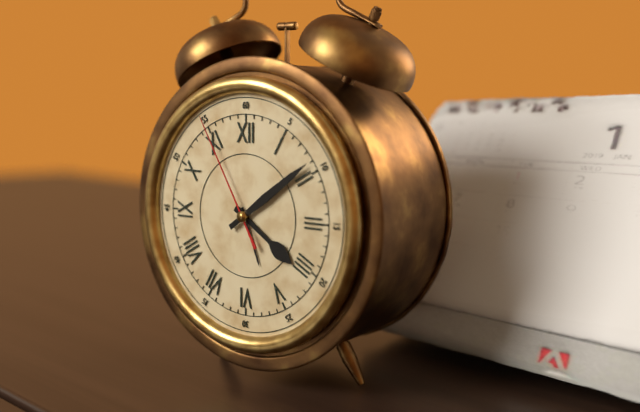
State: 4 h 09 min 55 s
